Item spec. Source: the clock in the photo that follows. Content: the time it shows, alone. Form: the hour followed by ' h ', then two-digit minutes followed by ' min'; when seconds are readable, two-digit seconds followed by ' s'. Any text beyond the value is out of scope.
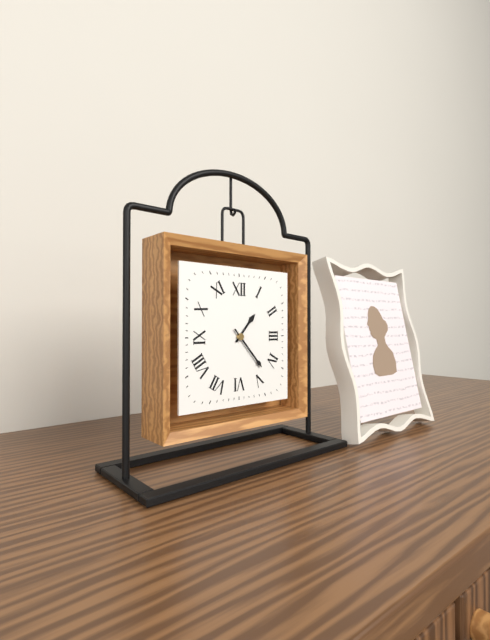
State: 1 h 23 min
